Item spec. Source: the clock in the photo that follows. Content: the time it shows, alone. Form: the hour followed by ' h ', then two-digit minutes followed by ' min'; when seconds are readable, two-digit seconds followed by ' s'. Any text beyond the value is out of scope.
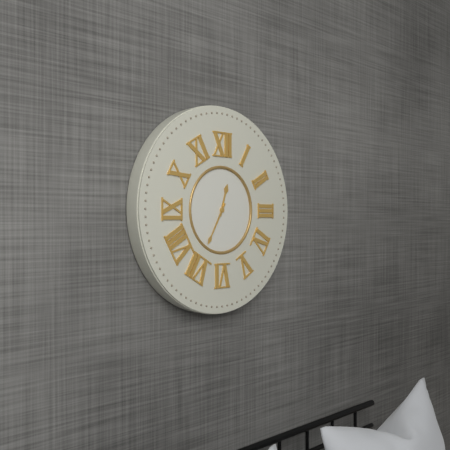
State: 12 h 35 min
